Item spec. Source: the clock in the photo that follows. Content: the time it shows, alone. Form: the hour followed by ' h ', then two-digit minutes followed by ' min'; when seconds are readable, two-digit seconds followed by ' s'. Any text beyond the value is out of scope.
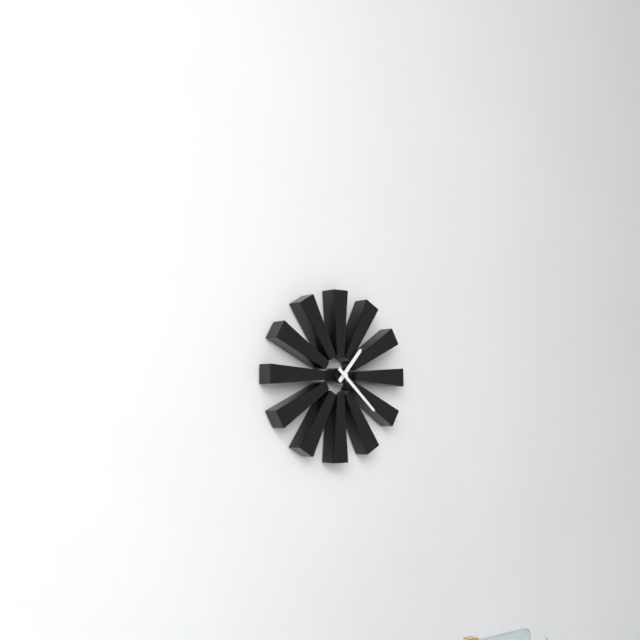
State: 1 h 22 min
